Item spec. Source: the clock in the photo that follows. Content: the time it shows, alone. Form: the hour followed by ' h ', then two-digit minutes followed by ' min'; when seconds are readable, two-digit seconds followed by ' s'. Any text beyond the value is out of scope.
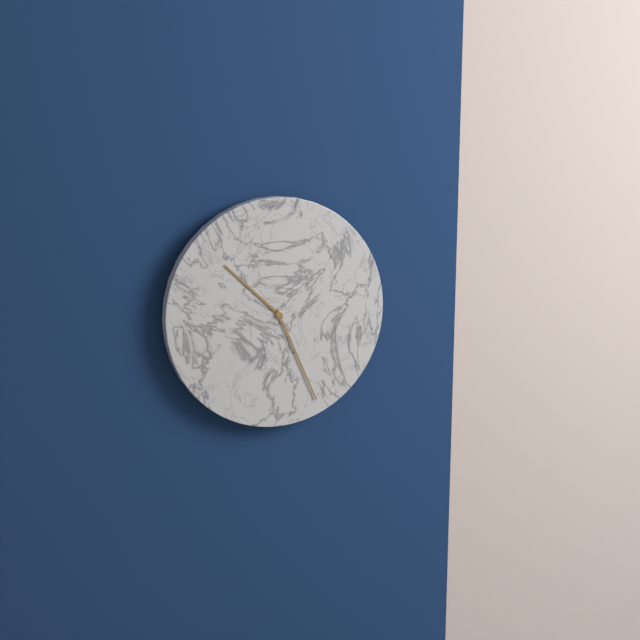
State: 10 h 26 min
